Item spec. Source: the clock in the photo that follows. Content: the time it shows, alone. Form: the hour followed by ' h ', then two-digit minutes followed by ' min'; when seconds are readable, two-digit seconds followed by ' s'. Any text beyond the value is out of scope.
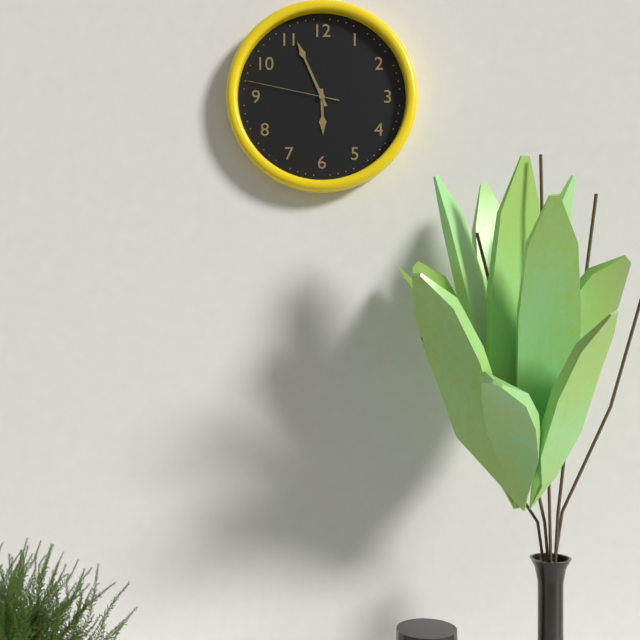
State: 5 h 56 min 47 s
